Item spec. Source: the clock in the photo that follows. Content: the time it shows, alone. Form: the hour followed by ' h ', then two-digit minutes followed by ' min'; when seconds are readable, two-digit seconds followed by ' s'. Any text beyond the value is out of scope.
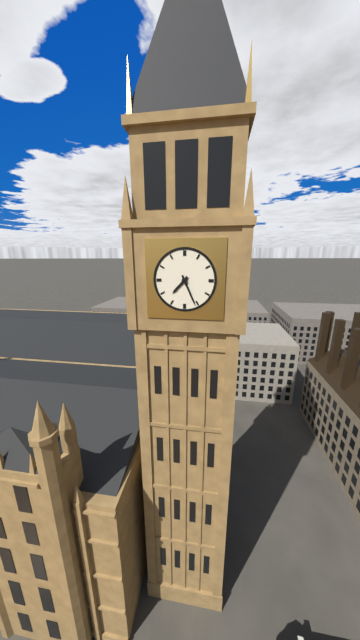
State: 7 h 26 min
